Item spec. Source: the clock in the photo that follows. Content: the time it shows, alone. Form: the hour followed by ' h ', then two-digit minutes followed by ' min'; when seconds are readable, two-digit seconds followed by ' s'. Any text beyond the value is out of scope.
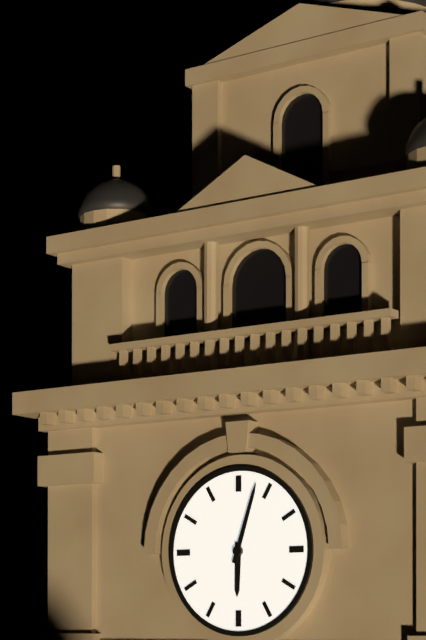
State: 6 h 03 min
